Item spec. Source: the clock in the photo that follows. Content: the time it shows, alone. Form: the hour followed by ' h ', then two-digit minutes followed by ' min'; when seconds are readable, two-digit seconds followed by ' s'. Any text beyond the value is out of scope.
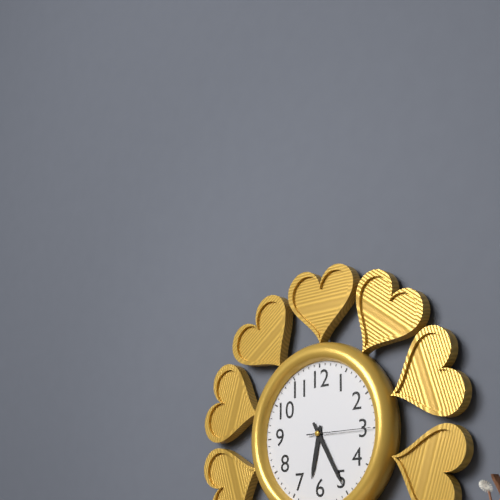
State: 6 h 25 min 15 s
